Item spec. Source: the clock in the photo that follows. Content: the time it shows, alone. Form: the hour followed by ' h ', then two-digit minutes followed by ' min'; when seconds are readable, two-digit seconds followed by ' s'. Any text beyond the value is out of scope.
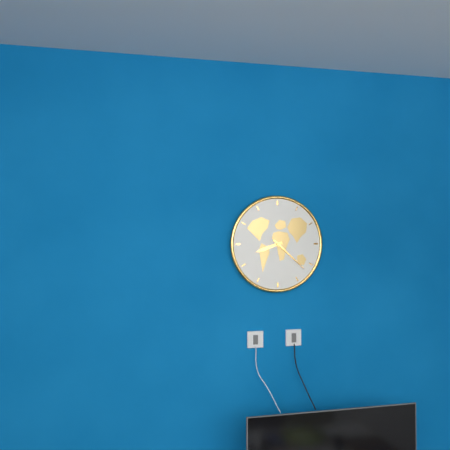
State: 8 h 22 min
